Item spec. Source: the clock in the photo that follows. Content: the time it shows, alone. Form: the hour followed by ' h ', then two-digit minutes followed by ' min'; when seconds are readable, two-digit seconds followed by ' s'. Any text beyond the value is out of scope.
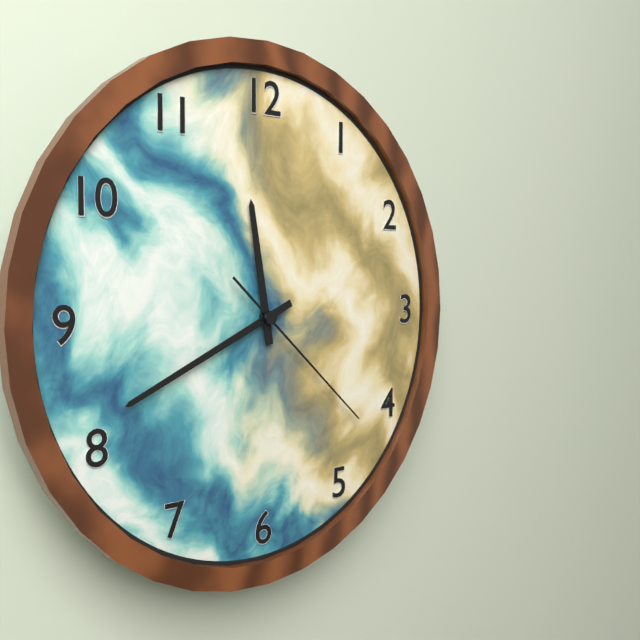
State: 11 h 41 min 22 s
